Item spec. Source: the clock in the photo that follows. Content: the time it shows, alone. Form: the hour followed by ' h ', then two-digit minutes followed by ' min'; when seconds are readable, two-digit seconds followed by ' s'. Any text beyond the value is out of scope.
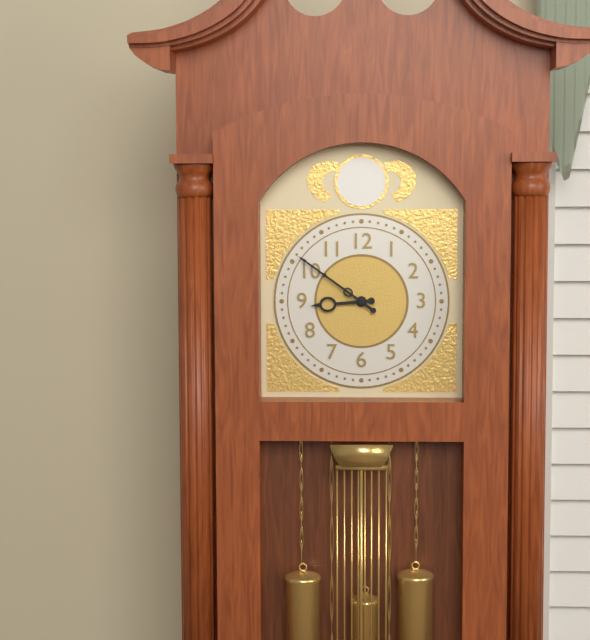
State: 8 h 51 min
